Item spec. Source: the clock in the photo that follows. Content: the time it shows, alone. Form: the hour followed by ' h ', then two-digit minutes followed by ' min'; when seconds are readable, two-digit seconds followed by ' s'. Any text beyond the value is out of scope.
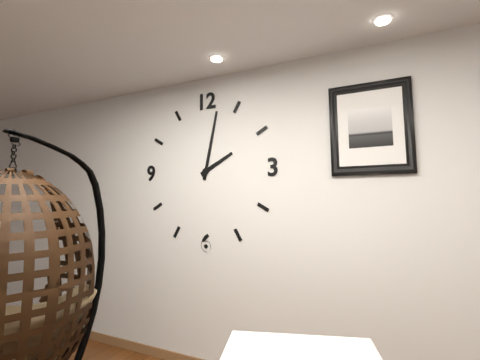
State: 2 h 02 min
